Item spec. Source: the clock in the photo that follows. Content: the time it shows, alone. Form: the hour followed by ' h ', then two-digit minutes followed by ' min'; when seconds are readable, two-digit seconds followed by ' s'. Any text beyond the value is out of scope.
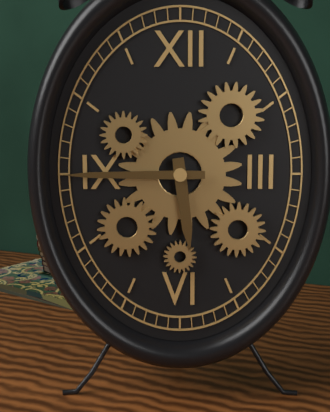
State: 5 h 45 min
